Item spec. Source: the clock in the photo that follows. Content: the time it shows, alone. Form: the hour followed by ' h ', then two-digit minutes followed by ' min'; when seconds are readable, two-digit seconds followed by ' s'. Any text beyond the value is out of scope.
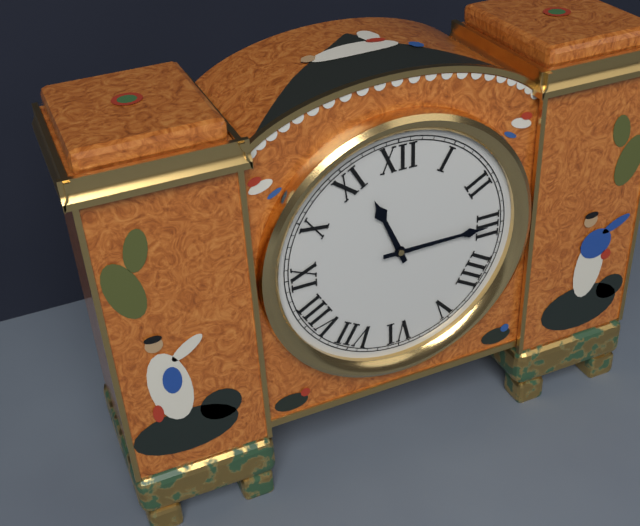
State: 11 h 15 min
